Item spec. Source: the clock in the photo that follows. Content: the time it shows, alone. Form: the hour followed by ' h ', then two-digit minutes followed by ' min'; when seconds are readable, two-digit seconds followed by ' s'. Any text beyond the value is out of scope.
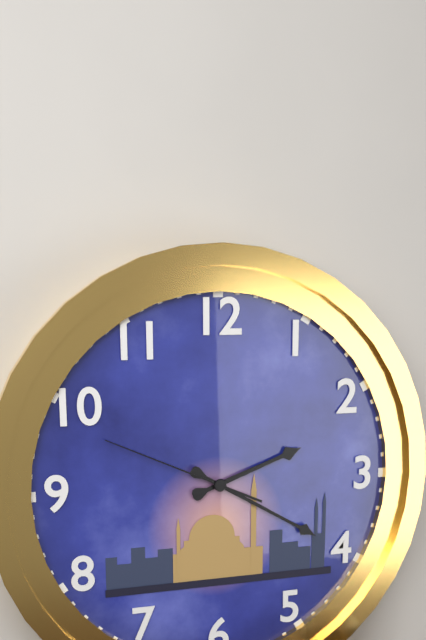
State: 2 h 20 min 49 s
